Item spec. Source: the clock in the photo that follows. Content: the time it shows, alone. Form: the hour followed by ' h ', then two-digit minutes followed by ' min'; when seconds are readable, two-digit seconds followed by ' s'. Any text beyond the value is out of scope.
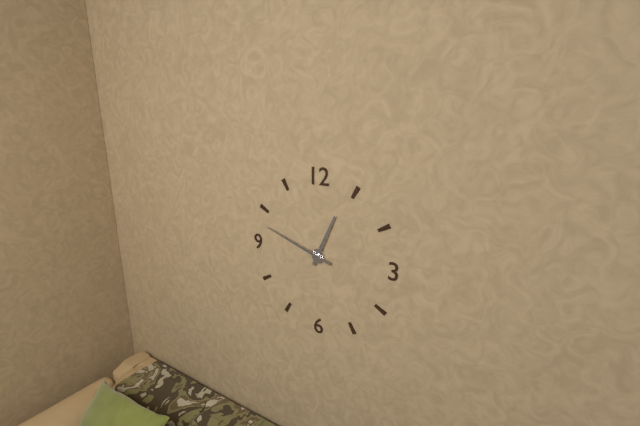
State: 12 h 48 min
